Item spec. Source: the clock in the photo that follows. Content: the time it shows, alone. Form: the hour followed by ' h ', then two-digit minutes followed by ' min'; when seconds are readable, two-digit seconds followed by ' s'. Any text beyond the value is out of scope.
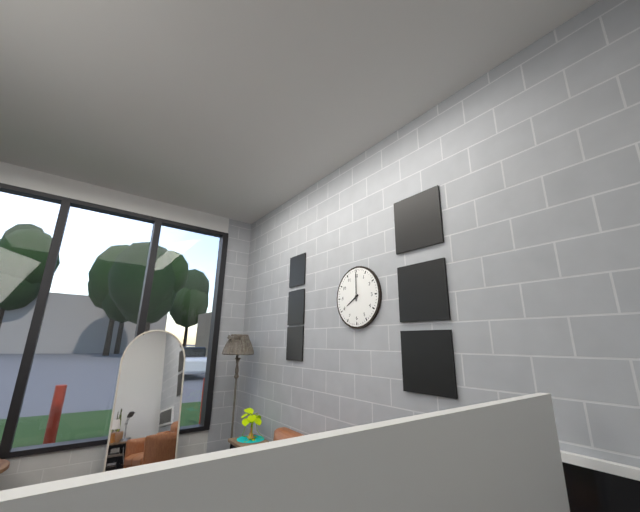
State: 8 h 00 min
